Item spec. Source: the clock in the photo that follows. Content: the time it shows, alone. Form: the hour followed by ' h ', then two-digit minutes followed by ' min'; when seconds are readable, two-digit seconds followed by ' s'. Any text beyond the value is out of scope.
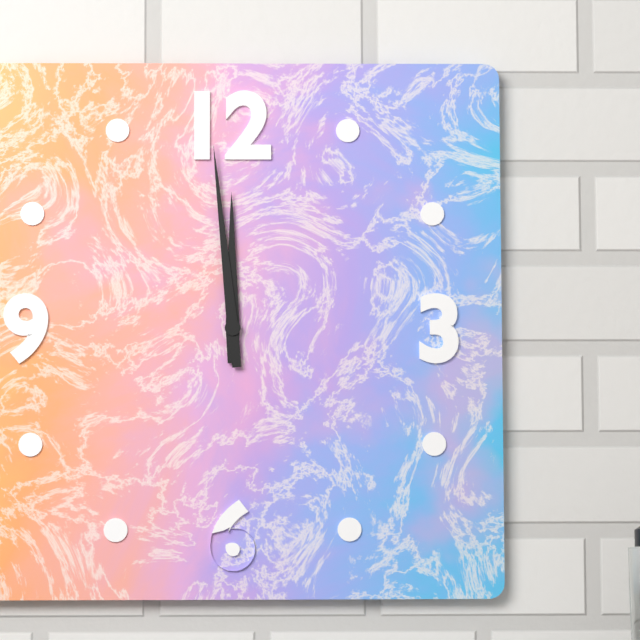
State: 11 h 59 min
